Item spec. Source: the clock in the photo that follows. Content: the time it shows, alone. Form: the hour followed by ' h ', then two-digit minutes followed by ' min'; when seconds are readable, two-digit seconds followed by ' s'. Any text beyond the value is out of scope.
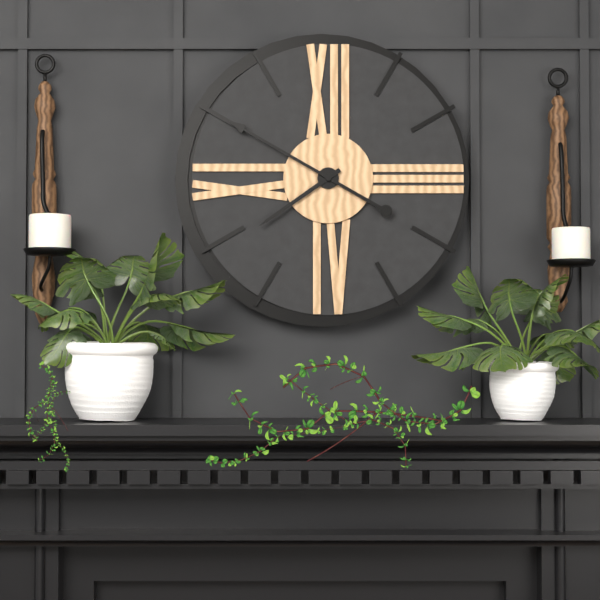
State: 7 h 50 min
